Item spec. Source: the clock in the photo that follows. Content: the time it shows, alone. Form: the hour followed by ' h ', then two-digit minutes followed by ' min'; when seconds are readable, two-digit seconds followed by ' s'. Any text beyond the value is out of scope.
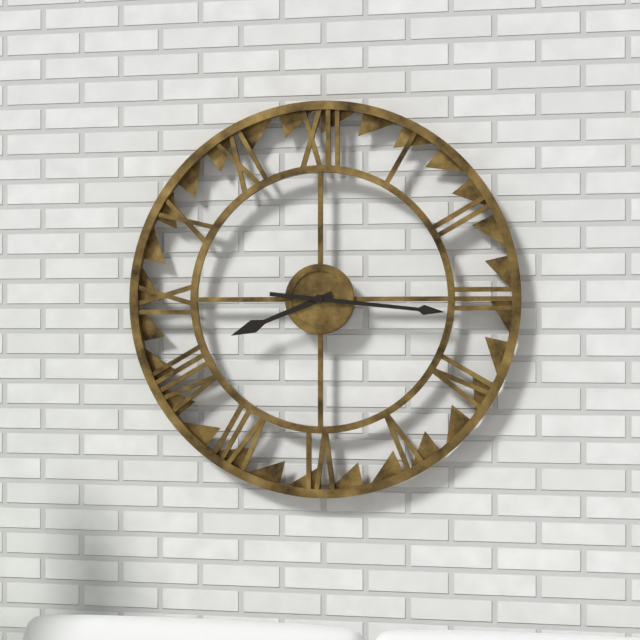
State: 8 h 16 min
